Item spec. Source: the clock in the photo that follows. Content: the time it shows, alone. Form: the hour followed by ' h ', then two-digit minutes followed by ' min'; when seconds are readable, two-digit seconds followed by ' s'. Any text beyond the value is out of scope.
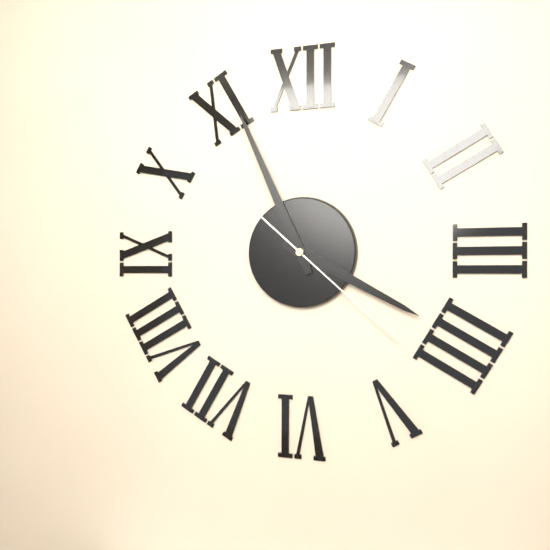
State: 3 h 56 min 22 s
